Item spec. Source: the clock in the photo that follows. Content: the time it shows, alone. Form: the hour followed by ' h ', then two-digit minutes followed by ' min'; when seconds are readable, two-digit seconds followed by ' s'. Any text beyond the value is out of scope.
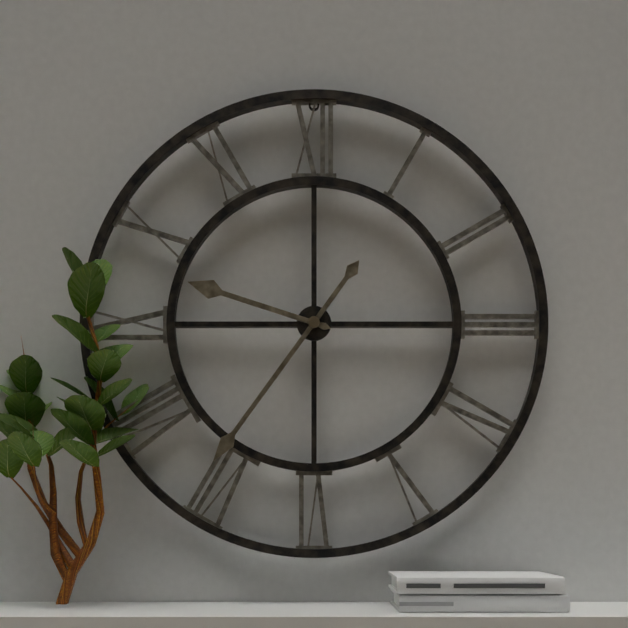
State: 9 h 36 min
